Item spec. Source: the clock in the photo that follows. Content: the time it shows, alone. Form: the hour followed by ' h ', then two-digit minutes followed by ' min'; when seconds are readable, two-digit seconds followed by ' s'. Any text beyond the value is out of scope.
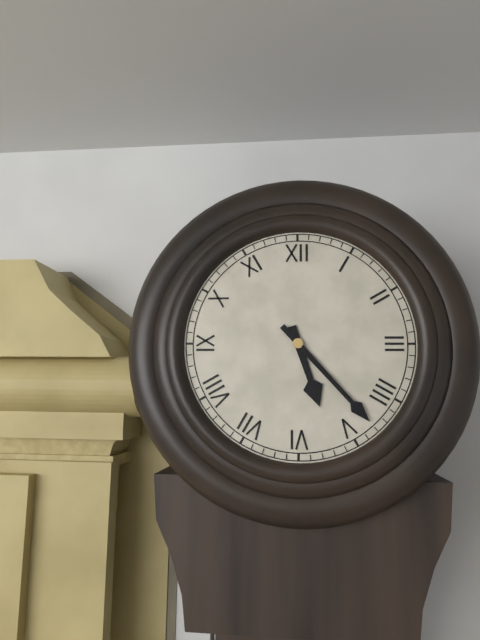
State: 5 h 23 min
